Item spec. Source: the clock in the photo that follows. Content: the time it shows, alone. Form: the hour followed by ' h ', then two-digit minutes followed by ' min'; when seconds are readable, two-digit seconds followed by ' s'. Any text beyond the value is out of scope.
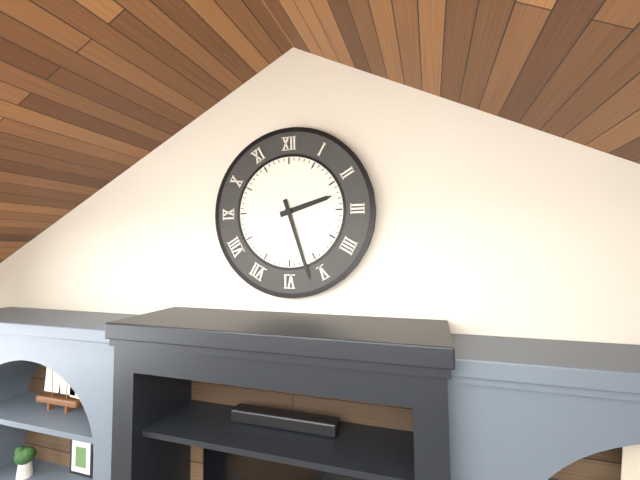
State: 2 h 27 min
